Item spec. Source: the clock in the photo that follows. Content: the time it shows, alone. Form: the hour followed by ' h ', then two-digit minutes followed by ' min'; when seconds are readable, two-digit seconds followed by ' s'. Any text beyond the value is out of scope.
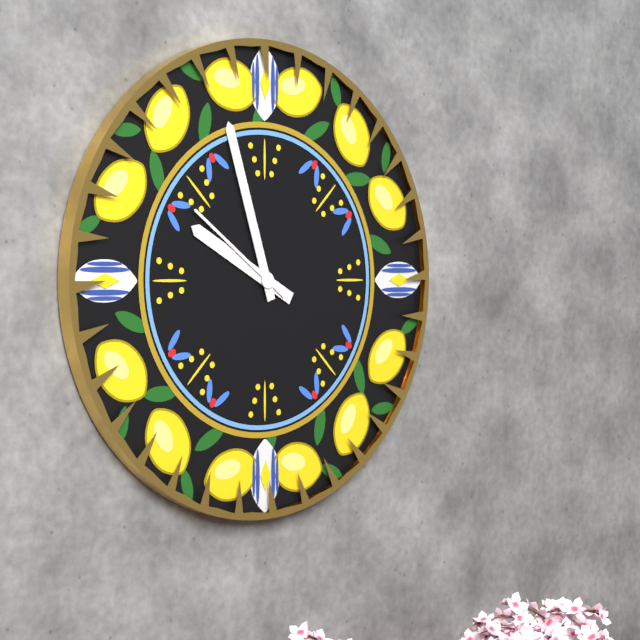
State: 9 h 57 min 51 s
